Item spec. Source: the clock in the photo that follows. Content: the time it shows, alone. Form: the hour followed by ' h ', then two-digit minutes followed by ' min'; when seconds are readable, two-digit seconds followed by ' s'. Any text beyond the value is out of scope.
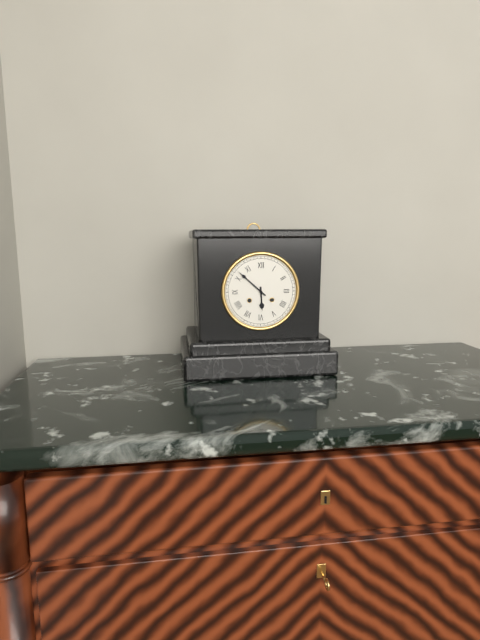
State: 5 h 52 min
